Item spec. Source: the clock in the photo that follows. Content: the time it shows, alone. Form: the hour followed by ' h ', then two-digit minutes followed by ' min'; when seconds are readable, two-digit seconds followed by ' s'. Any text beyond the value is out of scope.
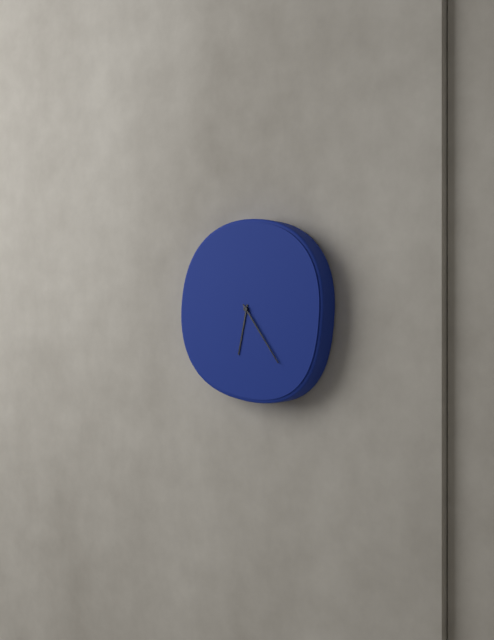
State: 6 h 24 min
